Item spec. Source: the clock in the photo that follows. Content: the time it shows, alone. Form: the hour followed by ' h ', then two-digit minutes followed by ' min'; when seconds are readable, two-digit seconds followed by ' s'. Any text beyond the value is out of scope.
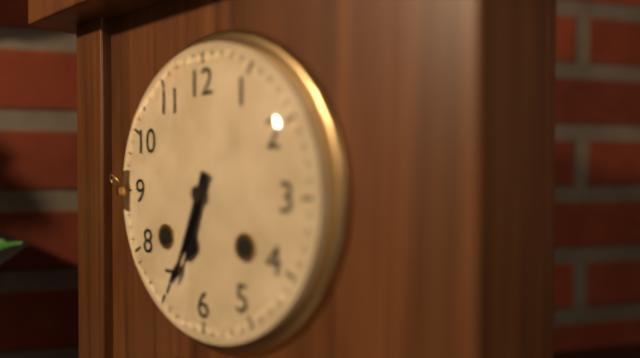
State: 6 h 34 min
